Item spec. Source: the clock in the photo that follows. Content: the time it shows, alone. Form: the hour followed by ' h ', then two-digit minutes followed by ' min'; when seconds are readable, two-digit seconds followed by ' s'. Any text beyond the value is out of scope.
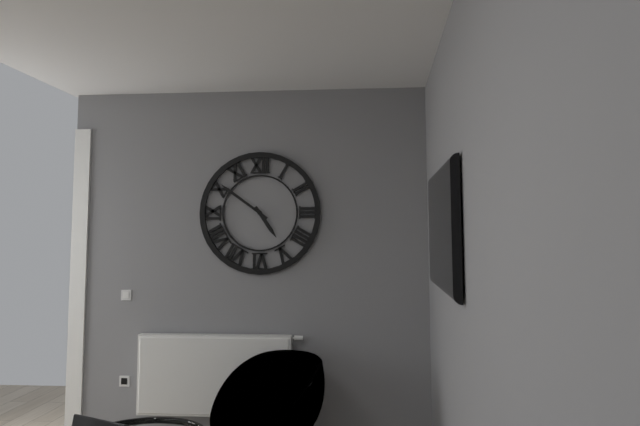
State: 4 h 51 min
